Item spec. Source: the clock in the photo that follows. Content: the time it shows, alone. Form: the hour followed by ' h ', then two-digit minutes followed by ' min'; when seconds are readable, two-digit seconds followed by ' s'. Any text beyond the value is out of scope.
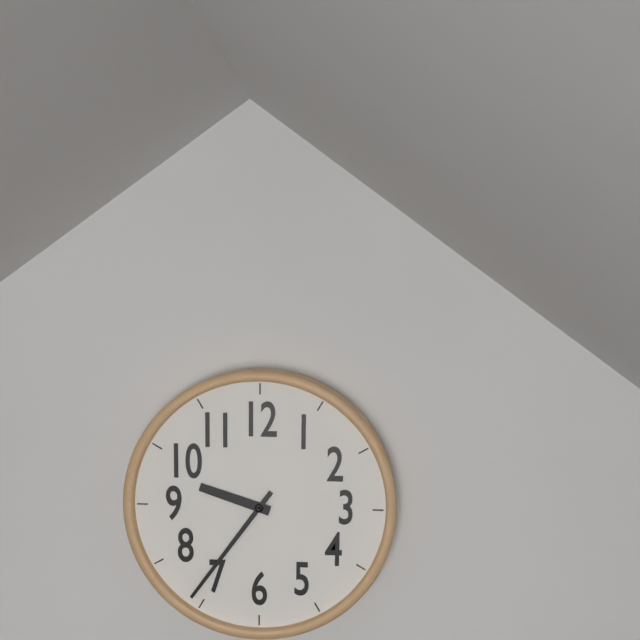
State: 9 h 36 min
